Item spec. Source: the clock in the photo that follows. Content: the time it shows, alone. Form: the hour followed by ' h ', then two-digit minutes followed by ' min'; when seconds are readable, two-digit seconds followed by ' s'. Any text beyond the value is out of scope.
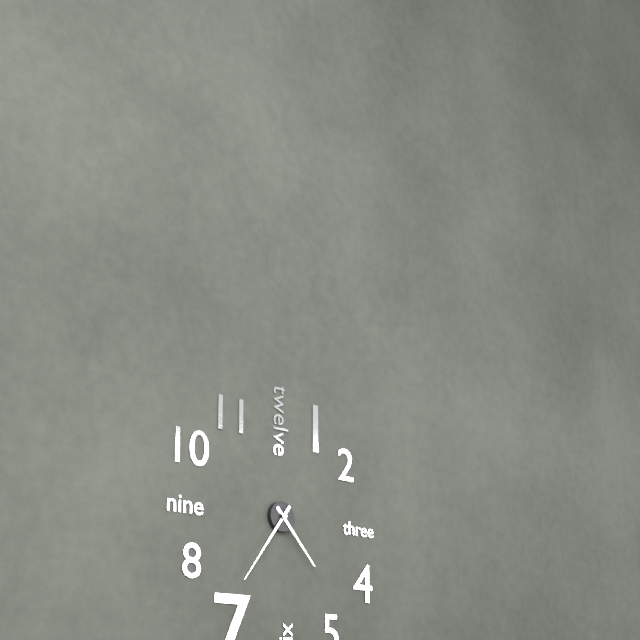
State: 4 h 36 min
